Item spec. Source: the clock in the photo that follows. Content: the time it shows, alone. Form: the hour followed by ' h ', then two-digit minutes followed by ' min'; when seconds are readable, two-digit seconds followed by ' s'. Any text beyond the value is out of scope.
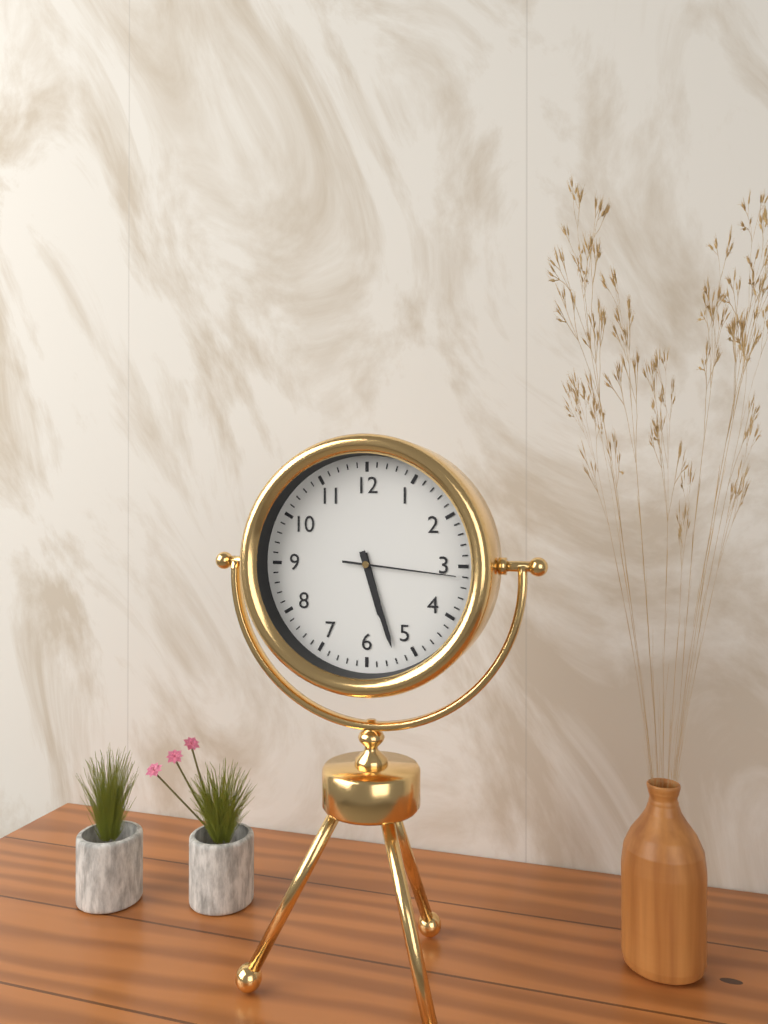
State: 5 h 27 min 16 s
